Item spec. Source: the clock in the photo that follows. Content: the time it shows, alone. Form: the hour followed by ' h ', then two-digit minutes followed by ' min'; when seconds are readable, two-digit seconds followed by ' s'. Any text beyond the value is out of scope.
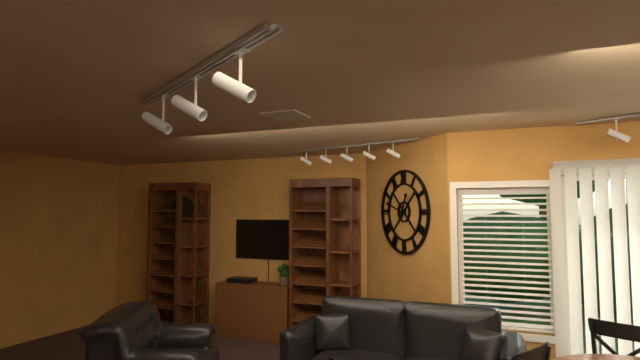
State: 12 h 48 min
